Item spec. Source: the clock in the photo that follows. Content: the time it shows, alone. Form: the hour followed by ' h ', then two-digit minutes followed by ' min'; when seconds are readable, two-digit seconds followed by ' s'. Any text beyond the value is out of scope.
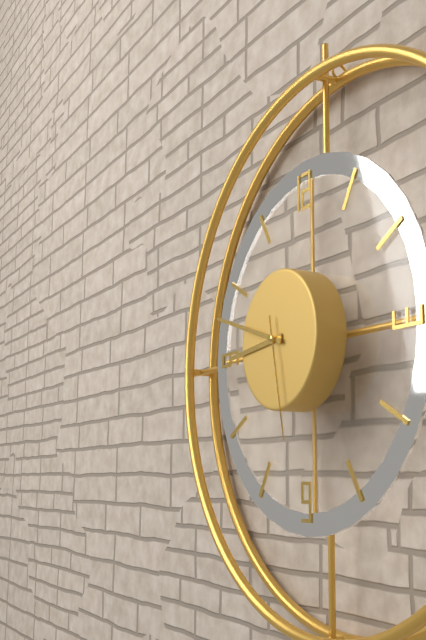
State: 8 h 48 min 28 s
